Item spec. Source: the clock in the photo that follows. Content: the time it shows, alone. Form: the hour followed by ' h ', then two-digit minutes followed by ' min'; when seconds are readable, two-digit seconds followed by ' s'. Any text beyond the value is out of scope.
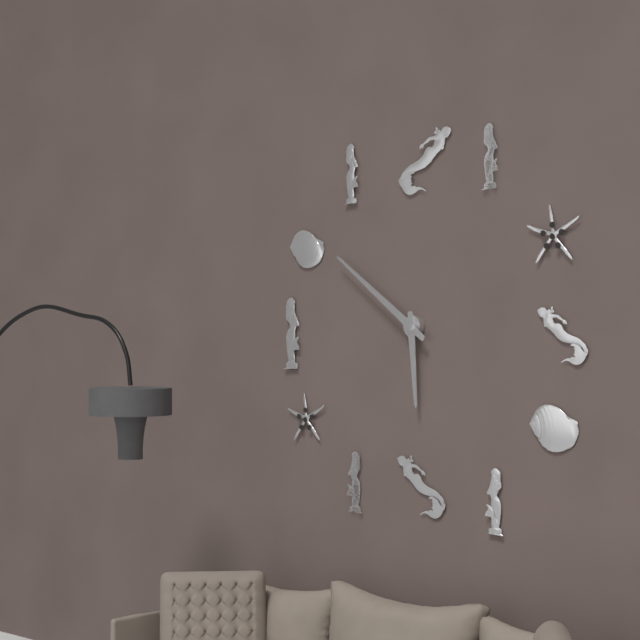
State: 5 h 51 min
